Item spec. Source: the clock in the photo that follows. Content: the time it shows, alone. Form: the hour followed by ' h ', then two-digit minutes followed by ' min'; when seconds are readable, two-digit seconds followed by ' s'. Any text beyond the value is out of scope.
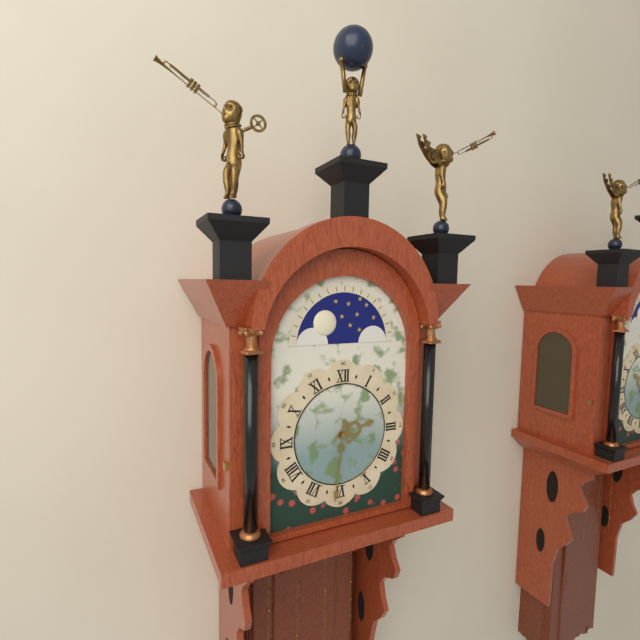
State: 2 h 31 min
